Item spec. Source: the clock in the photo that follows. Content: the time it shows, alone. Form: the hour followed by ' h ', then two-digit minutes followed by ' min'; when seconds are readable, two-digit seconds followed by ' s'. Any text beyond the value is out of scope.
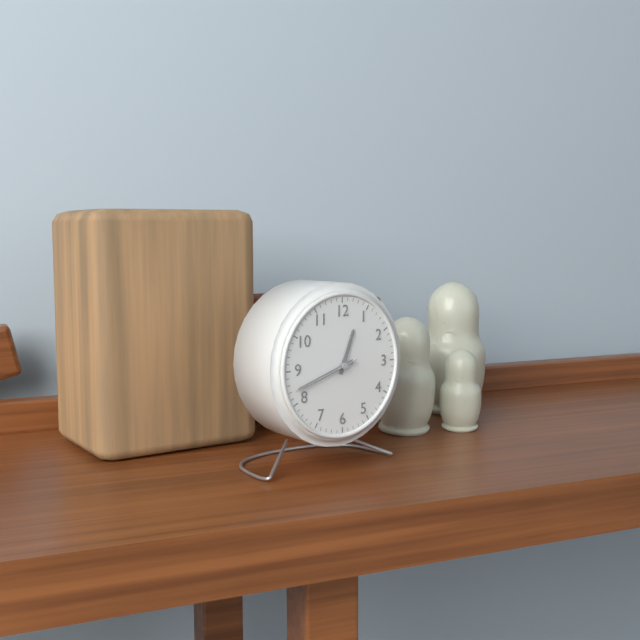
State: 12 h 42 min 42 s
